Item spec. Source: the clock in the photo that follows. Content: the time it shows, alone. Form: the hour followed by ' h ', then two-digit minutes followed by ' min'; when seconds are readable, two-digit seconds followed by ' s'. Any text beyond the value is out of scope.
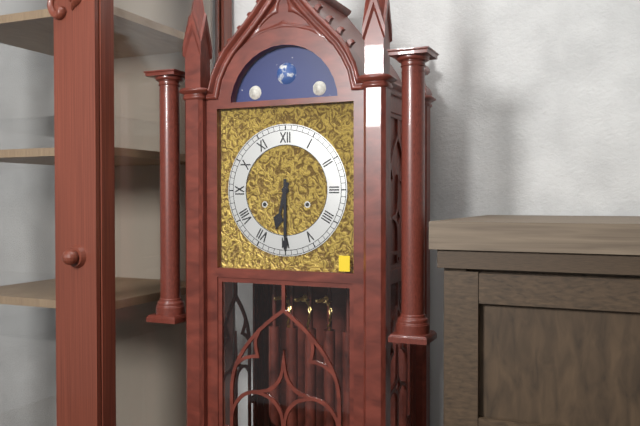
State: 6 h 30 min
